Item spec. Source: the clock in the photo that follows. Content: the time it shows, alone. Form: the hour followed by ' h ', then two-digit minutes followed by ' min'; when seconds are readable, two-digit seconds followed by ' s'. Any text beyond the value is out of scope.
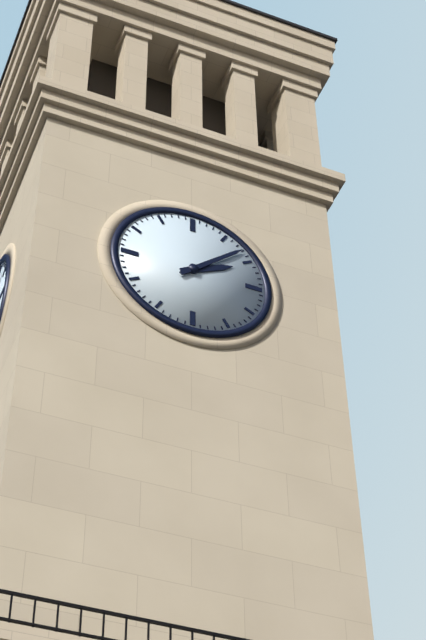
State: 2 h 08 min
